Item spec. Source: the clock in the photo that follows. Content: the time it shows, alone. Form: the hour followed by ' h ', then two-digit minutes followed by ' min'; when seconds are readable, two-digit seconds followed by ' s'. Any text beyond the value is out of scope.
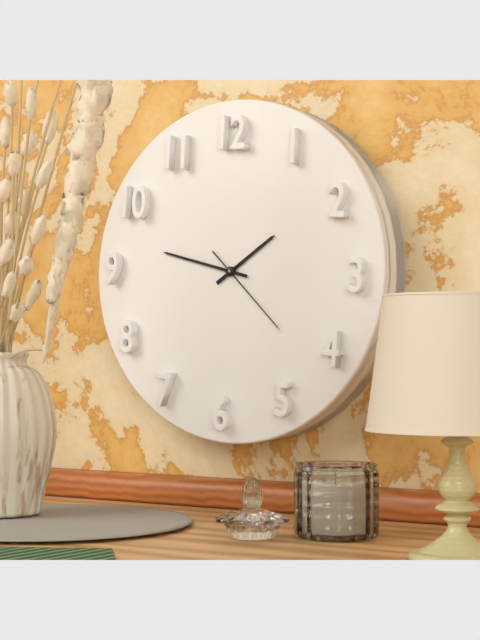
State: 1 h 47 min 22 s
